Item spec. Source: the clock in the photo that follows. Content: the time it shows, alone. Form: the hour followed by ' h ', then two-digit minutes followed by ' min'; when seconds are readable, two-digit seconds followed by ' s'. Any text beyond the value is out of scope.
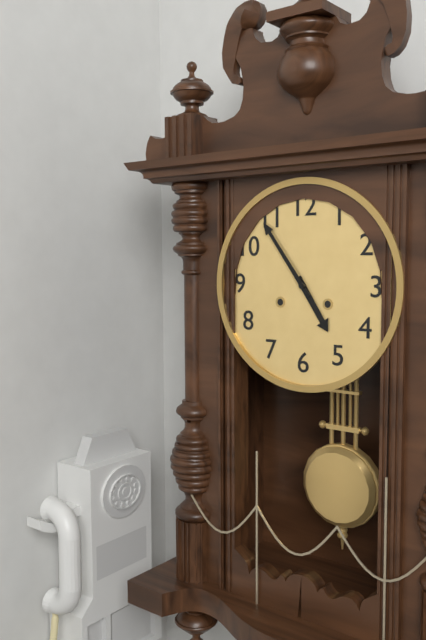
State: 4 h 54 min
